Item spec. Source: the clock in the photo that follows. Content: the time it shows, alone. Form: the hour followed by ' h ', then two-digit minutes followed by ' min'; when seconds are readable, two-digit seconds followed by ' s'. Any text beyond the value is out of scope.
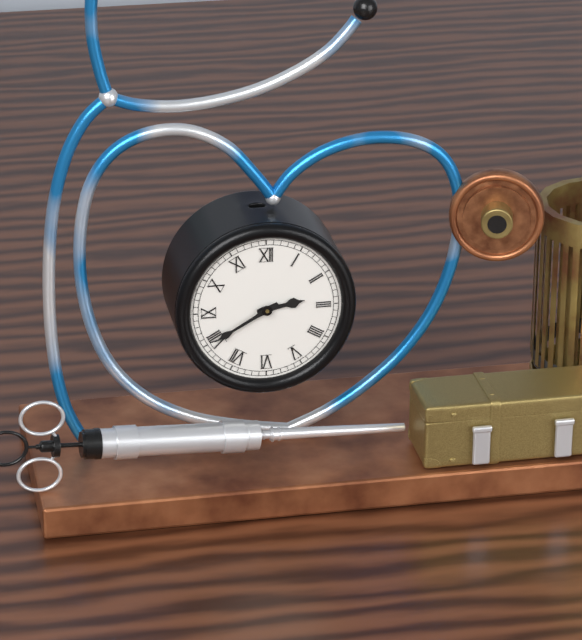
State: 2 h 40 min
